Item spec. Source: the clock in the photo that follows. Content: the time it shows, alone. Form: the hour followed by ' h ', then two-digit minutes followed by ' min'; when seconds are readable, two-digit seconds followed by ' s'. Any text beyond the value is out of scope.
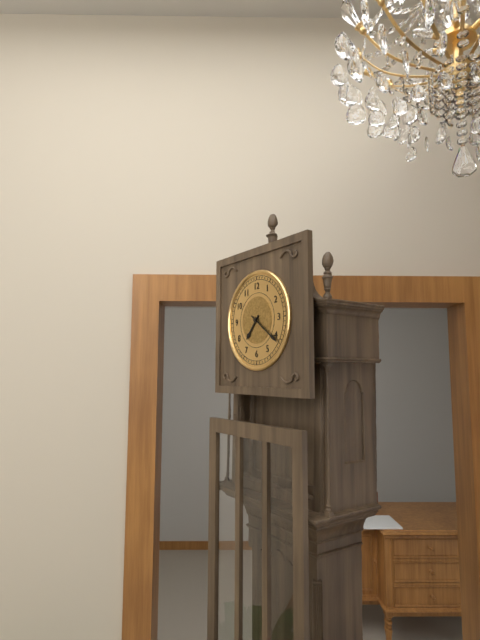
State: 7 h 21 min
